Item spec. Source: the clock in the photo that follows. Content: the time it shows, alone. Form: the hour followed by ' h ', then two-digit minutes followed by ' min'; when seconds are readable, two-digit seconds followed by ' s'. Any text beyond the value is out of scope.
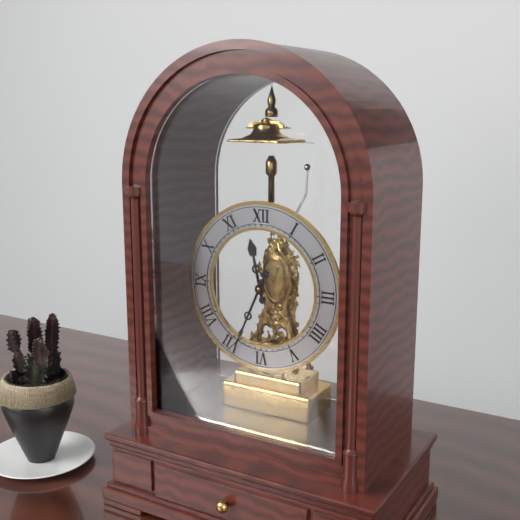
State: 11 h 34 min
